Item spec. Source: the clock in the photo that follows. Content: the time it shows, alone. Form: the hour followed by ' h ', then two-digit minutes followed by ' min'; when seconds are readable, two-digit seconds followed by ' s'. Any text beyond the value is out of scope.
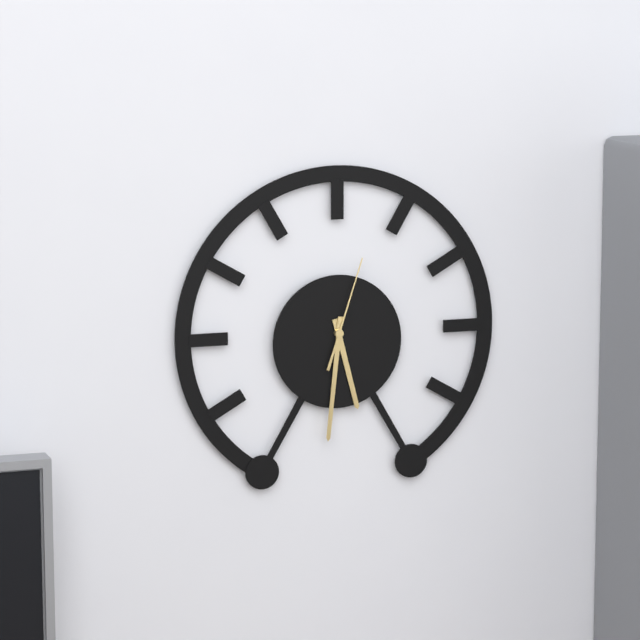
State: 5 h 31 min 03 s
